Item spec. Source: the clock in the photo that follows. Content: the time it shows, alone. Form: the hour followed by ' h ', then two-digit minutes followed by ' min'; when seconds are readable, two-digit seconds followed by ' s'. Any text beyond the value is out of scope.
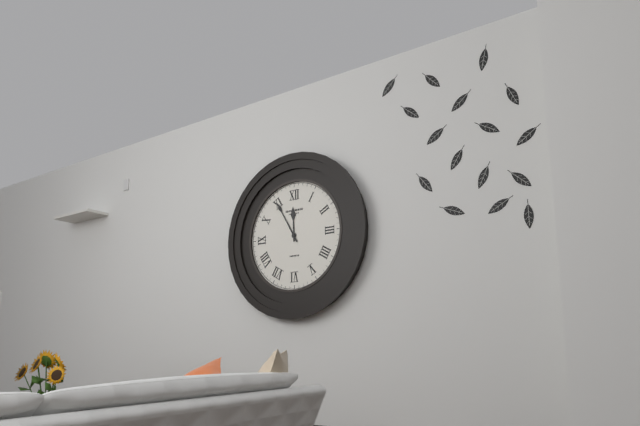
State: 11 h 55 min
